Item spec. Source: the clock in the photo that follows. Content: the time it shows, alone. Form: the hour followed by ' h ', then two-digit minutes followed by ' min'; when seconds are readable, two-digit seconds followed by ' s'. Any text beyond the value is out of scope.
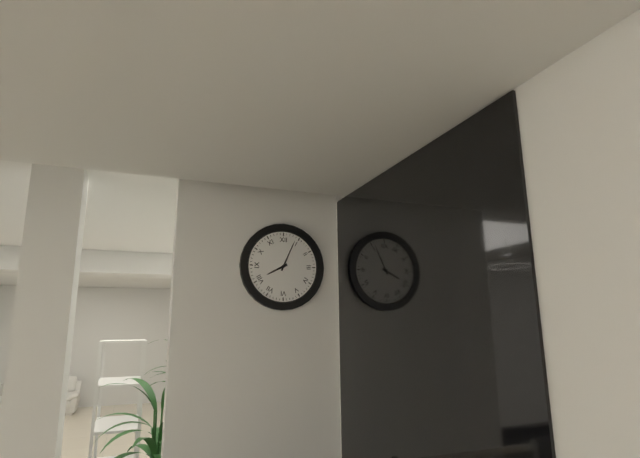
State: 8 h 04 min
